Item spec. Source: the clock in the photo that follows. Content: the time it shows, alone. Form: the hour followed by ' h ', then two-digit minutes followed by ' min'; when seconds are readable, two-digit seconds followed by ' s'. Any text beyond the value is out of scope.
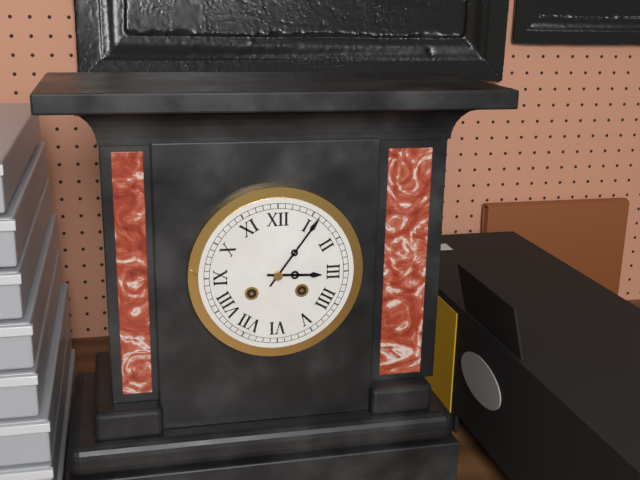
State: 3 h 06 min
